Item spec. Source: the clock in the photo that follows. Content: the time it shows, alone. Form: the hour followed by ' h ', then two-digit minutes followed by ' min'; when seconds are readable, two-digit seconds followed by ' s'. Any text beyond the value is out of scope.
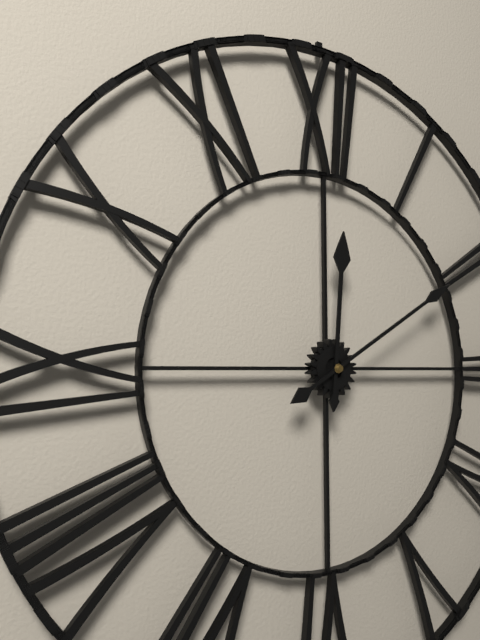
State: 12 h 10 min
